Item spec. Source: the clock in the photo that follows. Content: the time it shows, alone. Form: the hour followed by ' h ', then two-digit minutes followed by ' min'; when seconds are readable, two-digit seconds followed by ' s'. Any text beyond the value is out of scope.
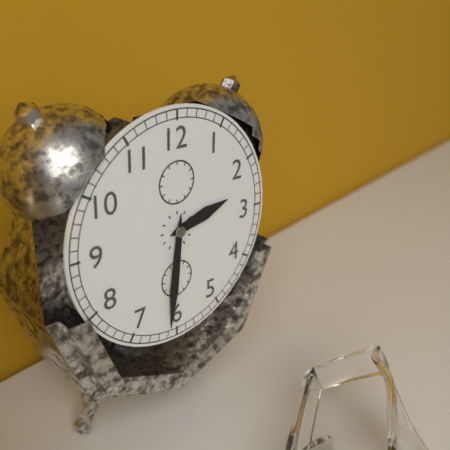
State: 2 h 31 min
